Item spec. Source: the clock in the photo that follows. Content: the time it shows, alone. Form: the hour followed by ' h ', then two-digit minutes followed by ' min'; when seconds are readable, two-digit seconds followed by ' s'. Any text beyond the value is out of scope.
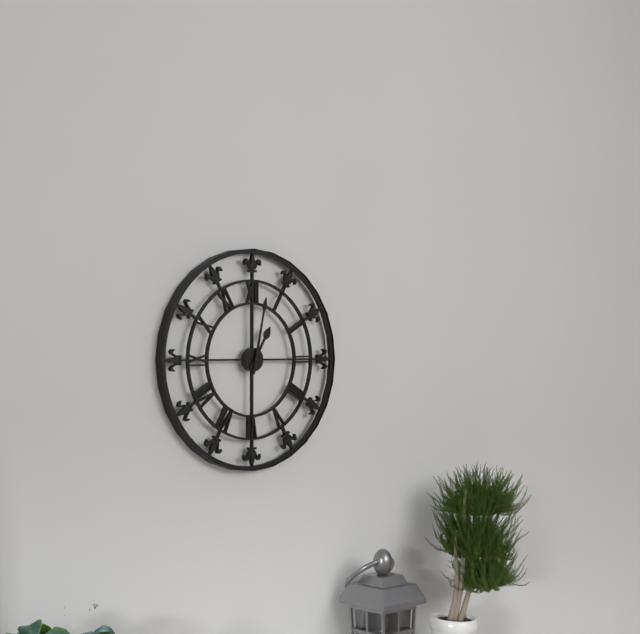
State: 1 h 02 min
